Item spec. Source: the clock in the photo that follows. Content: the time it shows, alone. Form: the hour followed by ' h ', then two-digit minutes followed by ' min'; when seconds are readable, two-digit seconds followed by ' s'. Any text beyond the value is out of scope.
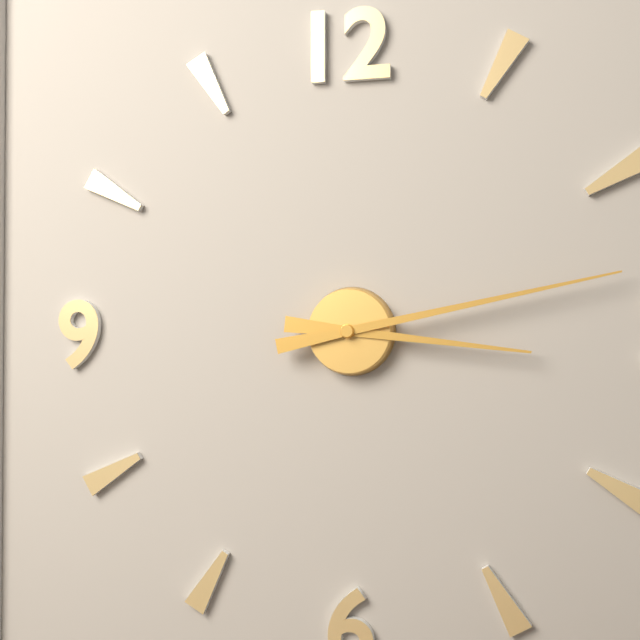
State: 3 h 13 min
